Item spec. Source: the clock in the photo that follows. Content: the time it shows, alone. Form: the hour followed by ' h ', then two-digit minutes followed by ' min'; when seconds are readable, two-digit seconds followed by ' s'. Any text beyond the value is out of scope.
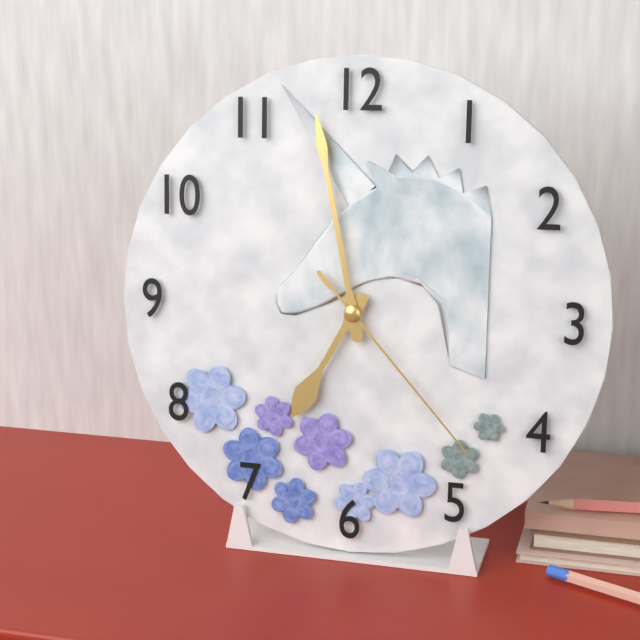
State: 6 h 58 min 23 s
